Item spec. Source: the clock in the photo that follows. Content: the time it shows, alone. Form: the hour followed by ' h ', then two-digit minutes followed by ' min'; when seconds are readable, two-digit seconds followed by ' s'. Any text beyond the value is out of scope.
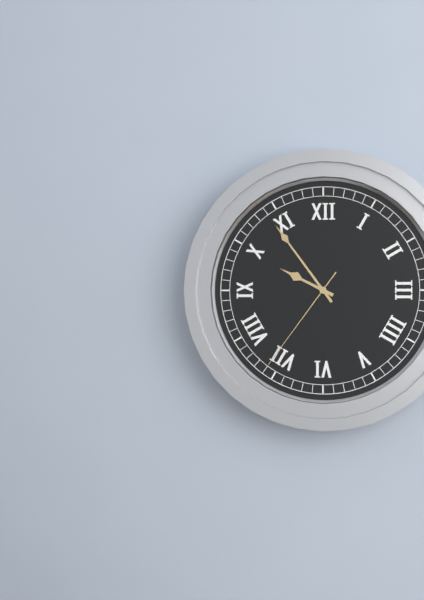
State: 9 h 54 min 36 s
